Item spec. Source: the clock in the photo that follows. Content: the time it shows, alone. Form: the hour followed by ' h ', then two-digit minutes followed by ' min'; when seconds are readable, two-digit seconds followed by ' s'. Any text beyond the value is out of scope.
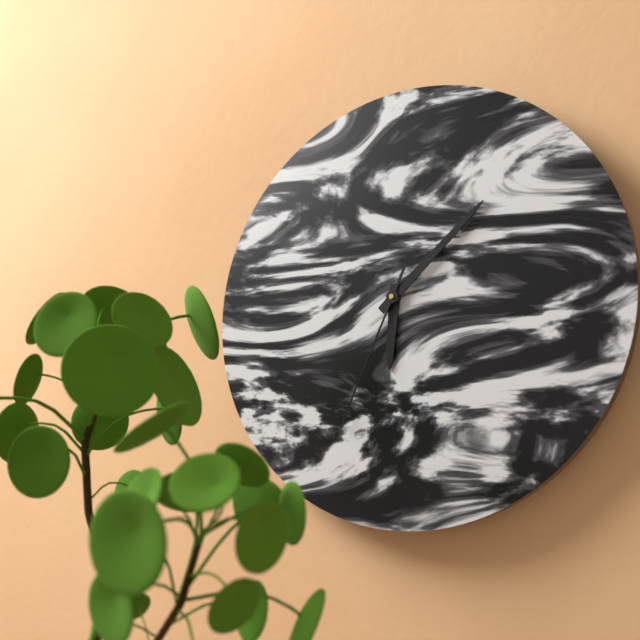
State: 6 h 08 min 34 s
